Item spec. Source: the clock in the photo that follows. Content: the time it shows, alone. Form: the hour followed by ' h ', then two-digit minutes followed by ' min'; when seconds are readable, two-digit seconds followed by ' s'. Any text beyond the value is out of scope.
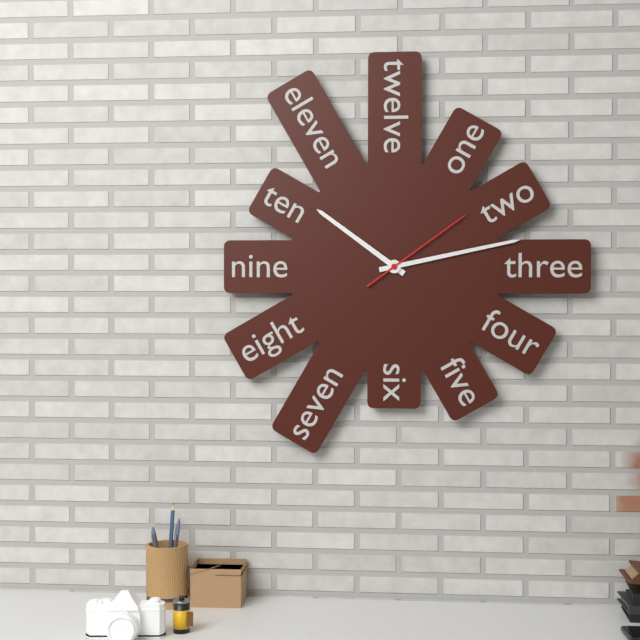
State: 10 h 13 min 09 s
